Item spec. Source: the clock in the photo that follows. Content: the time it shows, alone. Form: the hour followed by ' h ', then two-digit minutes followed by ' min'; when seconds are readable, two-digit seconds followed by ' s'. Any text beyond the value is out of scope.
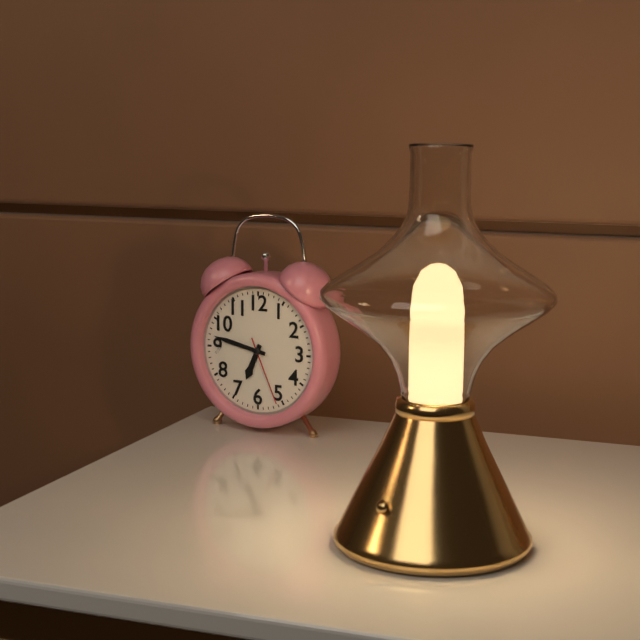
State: 6 h 47 min 26 s
